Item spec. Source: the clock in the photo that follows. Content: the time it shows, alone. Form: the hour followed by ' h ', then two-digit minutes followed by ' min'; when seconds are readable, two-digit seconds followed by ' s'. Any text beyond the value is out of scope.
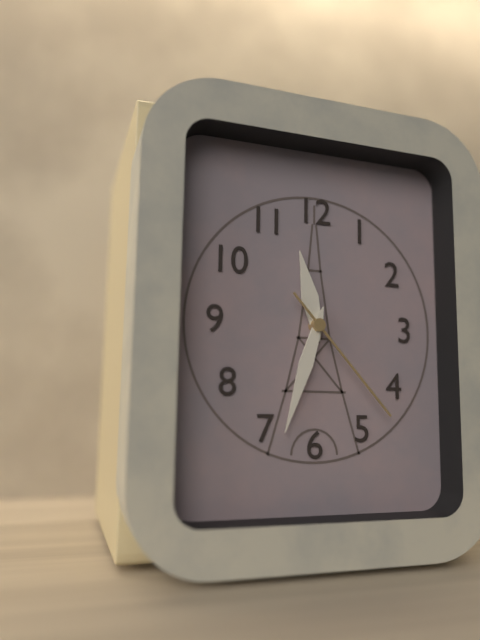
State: 11 h 33 min 23 s
